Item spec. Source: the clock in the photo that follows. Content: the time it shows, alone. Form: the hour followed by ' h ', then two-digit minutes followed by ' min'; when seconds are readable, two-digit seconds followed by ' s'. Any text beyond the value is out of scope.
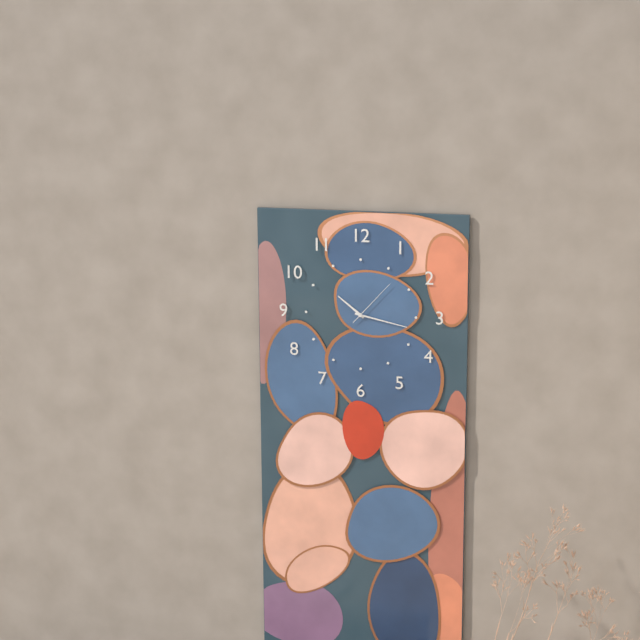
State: 10 h 17 min 07 s
